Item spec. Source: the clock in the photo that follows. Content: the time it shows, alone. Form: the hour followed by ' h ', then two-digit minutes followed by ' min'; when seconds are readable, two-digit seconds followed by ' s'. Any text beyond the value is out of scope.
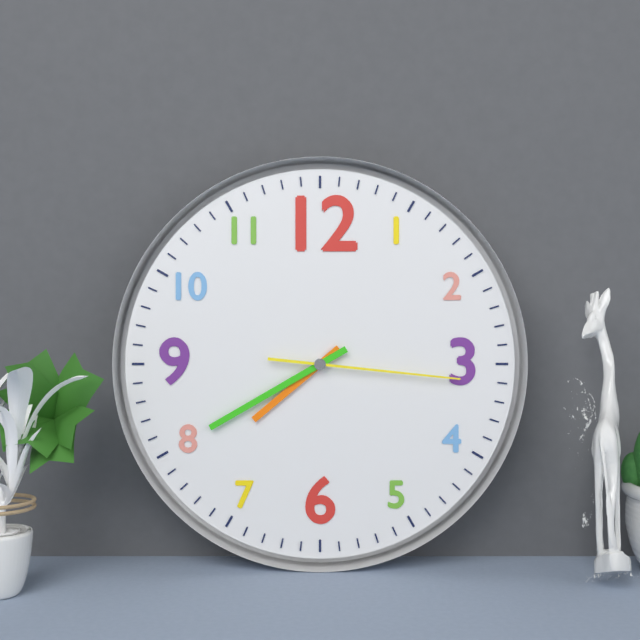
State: 7 h 40 min 16 s
